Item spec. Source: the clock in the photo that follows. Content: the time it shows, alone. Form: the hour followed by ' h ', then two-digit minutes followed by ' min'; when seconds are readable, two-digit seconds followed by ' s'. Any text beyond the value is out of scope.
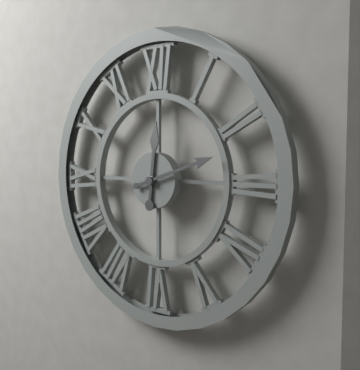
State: 12 h 12 min
